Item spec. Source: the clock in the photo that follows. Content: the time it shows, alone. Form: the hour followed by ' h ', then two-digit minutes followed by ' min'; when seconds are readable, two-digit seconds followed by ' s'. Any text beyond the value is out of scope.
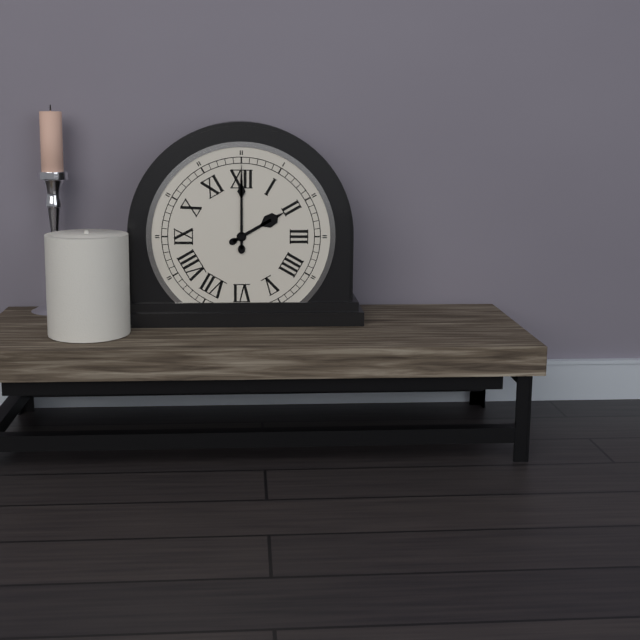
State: 2 h 00 min
